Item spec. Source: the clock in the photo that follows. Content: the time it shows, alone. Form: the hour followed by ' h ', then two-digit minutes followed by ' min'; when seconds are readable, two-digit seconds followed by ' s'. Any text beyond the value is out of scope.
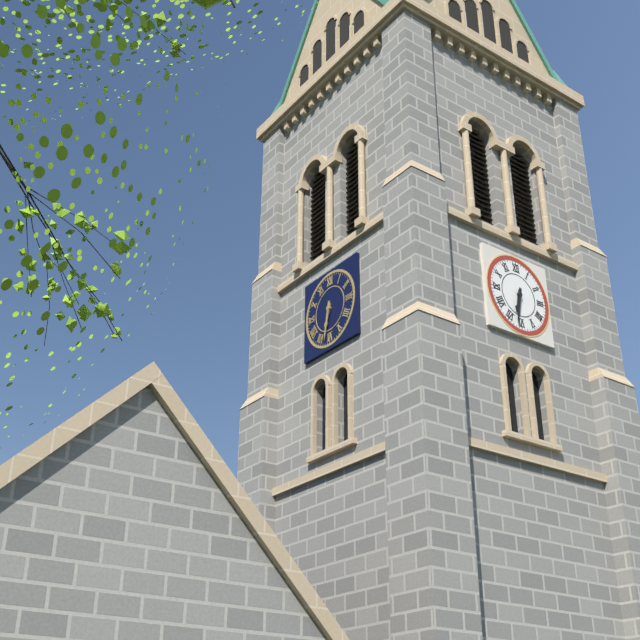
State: 6 h 32 min
